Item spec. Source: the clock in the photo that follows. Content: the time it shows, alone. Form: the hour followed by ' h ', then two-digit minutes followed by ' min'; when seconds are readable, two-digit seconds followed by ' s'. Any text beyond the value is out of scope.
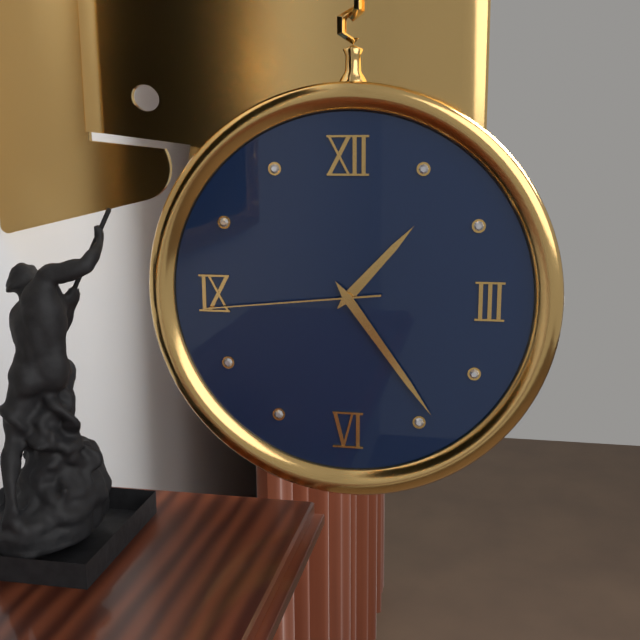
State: 1 h 24 min 44 s
